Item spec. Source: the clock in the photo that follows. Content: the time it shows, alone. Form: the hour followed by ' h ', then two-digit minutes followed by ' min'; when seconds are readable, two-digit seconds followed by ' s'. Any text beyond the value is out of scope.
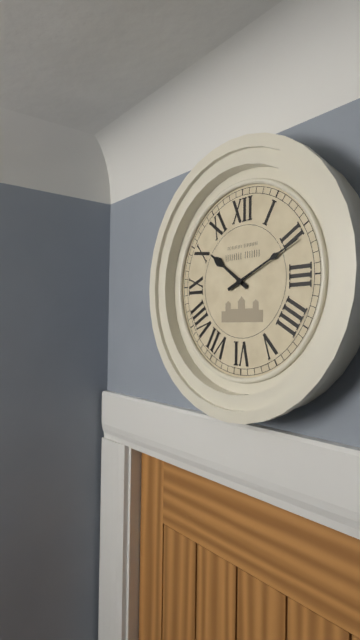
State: 10 h 11 min
